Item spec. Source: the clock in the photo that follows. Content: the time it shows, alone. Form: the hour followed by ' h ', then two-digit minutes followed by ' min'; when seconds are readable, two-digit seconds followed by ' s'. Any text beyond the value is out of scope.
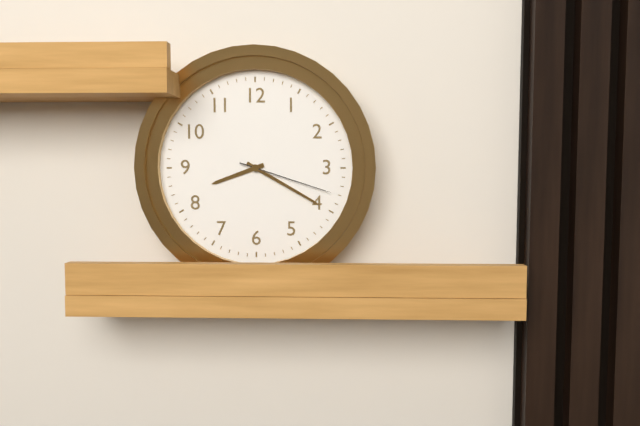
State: 8 h 20 min 18 s
